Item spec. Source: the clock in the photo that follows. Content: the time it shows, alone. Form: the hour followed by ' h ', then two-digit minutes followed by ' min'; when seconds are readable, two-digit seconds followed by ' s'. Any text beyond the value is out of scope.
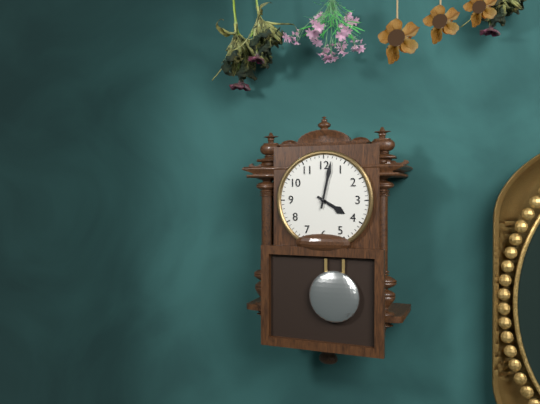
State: 4 h 02 min
